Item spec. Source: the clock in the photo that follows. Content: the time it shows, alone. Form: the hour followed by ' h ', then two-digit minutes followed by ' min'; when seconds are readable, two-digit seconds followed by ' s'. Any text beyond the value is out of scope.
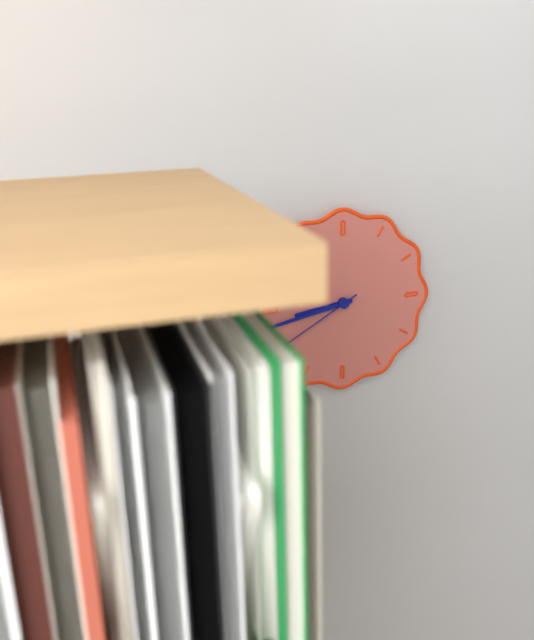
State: 8 h 43 min 40 s
